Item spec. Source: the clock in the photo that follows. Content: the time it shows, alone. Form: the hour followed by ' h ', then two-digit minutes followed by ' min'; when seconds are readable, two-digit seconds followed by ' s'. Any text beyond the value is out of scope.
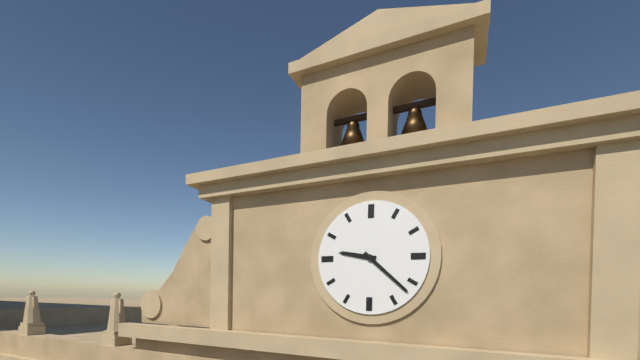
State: 9 h 22 min
